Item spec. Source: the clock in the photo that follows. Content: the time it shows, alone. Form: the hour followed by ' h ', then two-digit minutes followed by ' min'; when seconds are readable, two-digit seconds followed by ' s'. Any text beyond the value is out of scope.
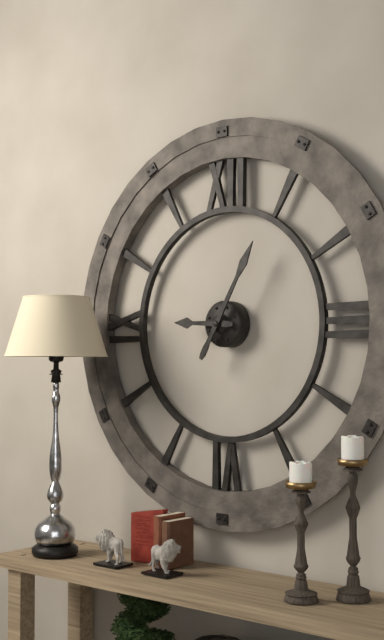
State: 9 h 05 min
